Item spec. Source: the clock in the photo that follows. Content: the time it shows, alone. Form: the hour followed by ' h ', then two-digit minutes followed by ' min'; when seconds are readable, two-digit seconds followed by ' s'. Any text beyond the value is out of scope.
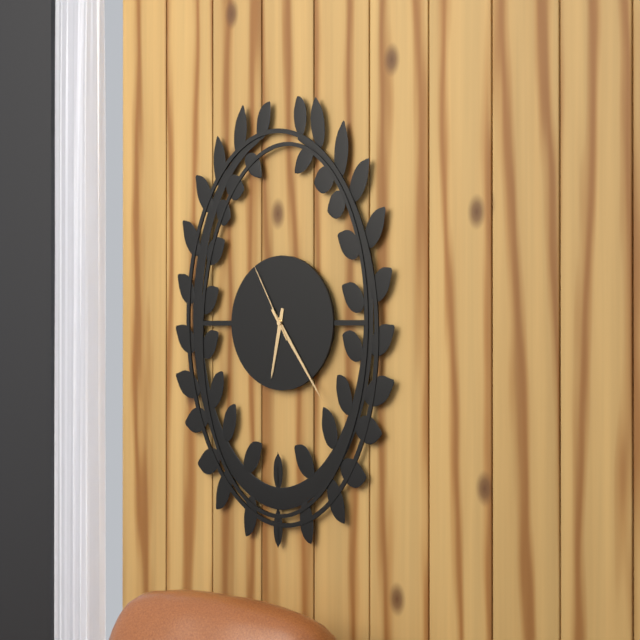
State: 6 h 24 min 55 s
